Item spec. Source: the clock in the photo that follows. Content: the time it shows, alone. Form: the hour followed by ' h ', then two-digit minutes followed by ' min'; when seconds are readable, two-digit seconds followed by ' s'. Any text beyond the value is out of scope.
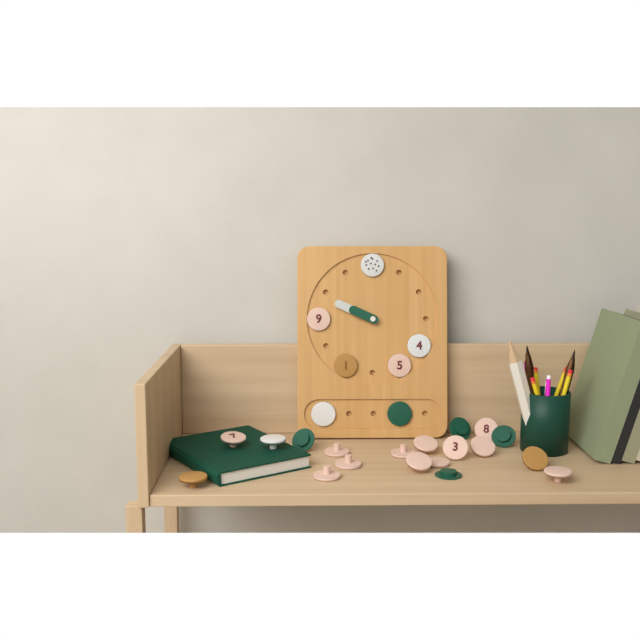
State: 9 h 49 min
